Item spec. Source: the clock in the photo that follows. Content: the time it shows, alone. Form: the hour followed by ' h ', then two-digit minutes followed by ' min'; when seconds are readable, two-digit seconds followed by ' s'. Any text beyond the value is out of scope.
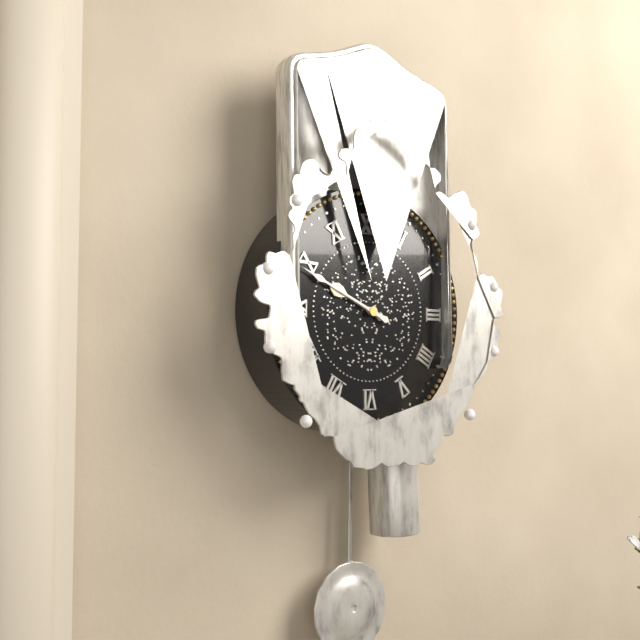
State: 9 h 49 min
